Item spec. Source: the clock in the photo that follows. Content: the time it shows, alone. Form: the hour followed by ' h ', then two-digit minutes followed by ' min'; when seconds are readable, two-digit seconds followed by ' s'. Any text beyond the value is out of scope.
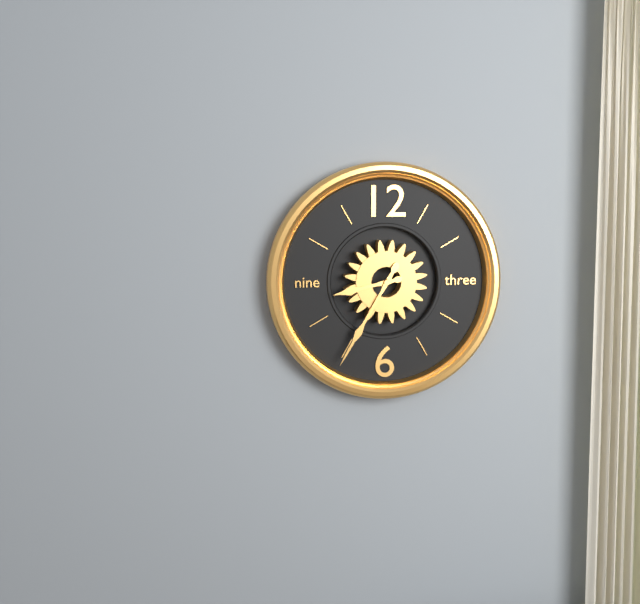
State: 8 h 35 min
